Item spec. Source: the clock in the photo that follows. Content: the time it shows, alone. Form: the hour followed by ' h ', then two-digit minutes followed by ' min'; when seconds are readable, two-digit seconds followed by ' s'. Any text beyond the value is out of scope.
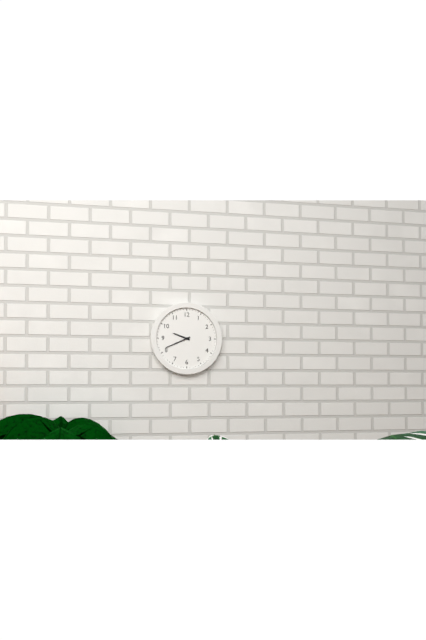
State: 9 h 41 min
